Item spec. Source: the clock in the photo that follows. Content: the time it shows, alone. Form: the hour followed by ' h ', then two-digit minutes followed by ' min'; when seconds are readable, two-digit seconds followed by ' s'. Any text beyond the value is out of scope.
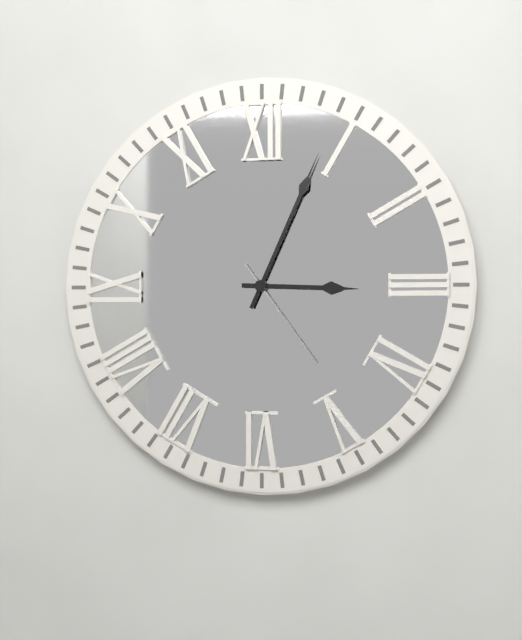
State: 3 h 04 min 24 s
